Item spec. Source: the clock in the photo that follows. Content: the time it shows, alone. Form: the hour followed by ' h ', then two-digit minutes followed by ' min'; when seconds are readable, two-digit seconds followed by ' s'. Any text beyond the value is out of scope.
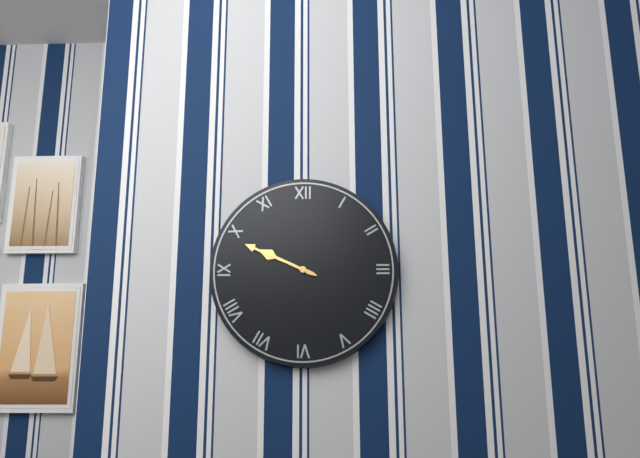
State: 9 h 49 min
